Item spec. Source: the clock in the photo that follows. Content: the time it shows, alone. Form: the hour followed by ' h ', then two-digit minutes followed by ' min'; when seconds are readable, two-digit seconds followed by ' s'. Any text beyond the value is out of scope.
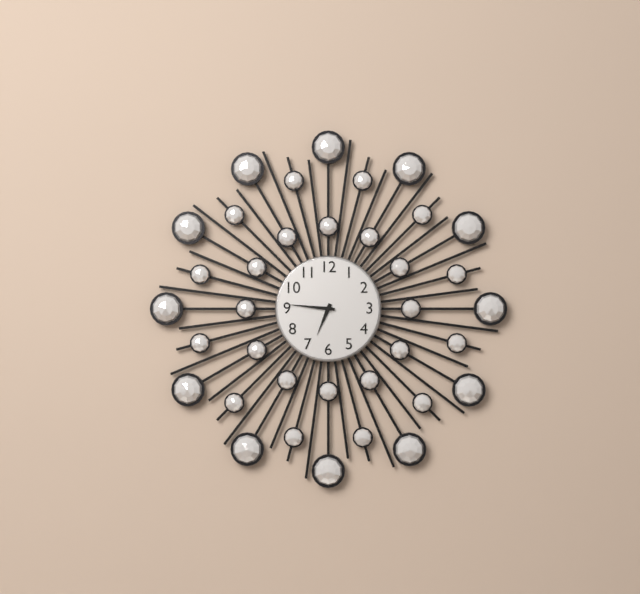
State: 6 h 46 min
